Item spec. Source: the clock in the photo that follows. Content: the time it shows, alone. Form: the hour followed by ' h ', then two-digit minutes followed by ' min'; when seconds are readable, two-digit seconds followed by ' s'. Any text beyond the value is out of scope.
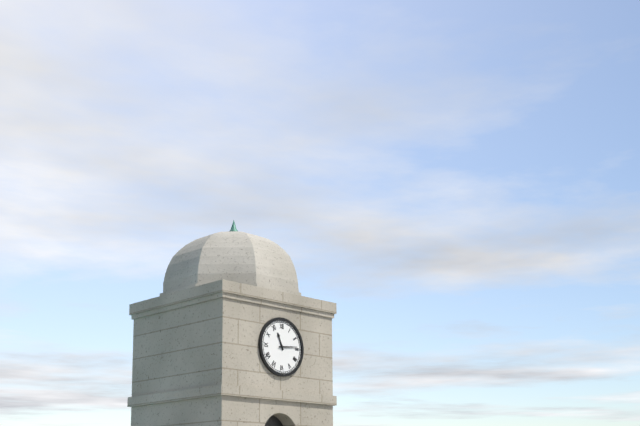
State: 11 h 14 min
